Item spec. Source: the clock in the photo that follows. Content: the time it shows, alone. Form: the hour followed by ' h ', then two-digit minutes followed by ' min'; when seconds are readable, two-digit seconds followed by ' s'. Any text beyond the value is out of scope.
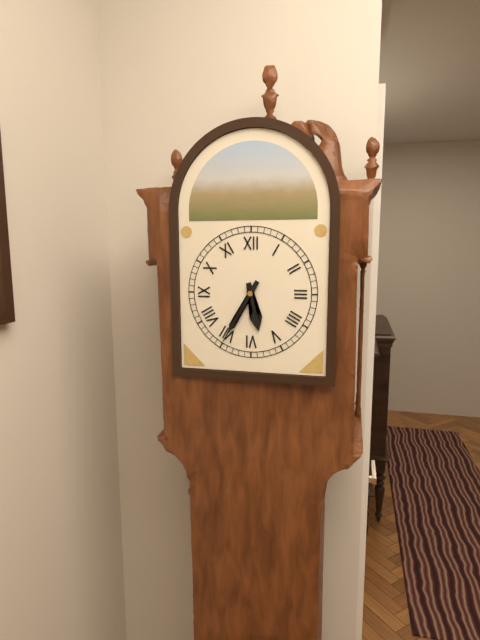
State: 5 h 35 min
